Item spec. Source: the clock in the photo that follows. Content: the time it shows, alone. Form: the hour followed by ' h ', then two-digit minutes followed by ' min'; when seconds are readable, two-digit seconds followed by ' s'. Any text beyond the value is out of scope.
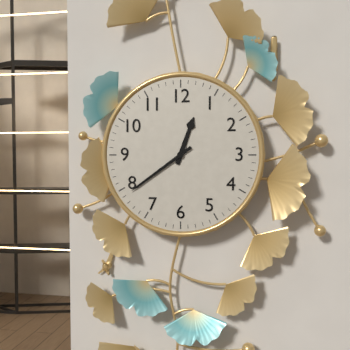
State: 12 h 39 min
